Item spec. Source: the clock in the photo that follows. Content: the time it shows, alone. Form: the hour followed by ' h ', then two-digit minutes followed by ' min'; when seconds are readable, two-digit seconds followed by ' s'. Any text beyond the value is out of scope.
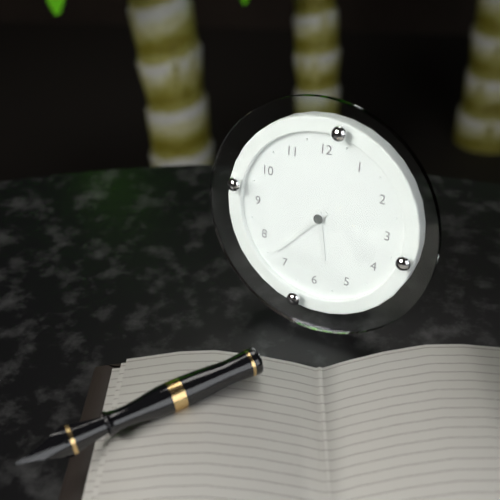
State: 5 h 37 min
